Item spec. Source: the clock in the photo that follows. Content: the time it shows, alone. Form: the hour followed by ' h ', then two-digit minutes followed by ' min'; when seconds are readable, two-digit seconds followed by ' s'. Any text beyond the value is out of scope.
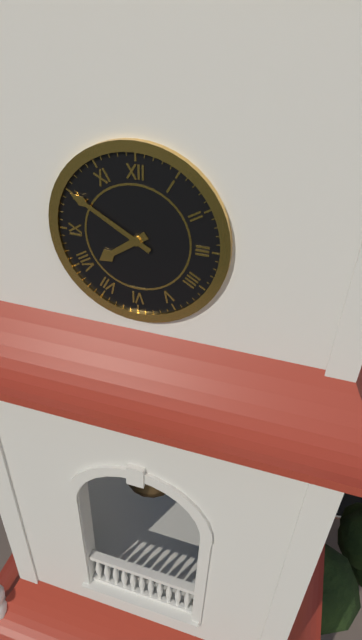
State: 7 h 50 min
